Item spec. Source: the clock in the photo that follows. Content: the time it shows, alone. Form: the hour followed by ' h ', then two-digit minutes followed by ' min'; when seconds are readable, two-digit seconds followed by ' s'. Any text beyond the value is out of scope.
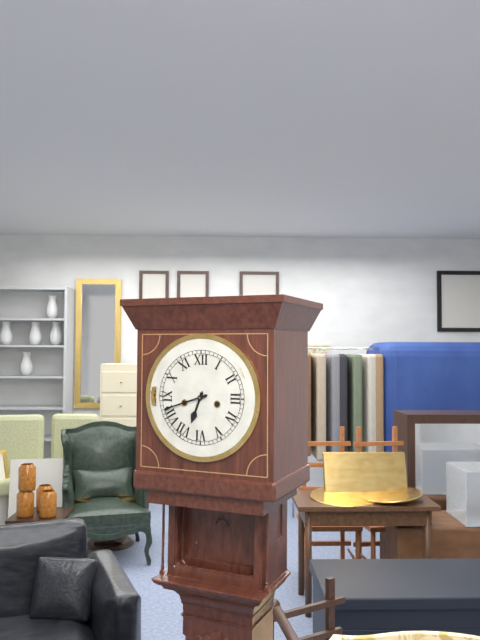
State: 6 h 42 min
